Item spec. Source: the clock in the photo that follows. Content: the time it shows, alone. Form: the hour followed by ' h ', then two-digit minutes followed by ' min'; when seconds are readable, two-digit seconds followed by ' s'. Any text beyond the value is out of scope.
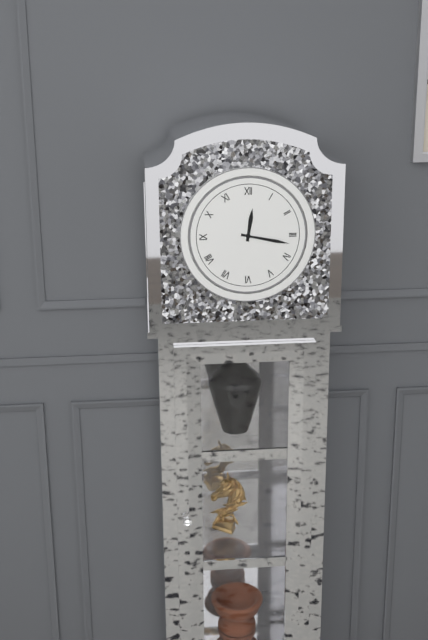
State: 12 h 17 min
